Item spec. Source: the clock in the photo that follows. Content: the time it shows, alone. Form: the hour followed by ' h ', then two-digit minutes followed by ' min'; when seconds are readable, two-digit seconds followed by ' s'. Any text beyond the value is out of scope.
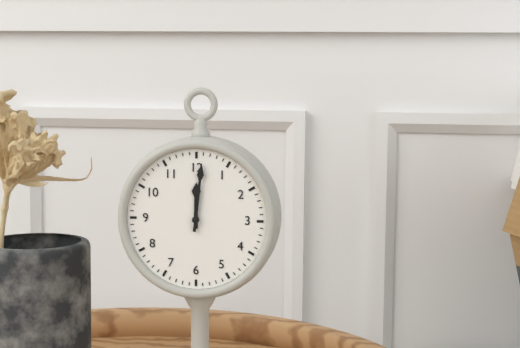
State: 12 h 01 min
